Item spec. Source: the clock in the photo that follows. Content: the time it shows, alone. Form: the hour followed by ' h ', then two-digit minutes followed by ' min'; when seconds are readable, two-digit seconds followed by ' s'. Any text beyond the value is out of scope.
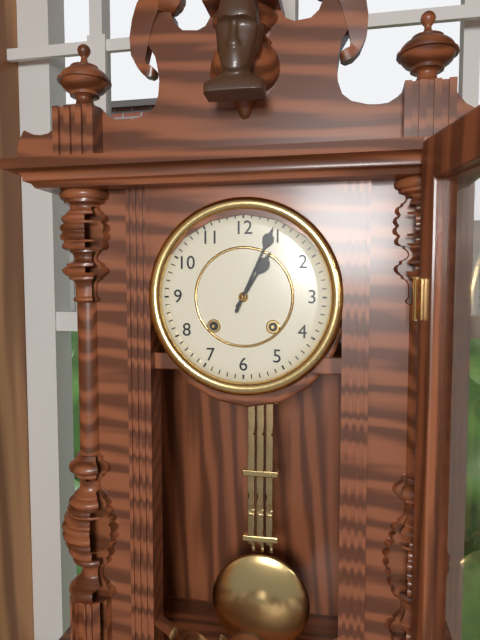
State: 1 h 04 min
